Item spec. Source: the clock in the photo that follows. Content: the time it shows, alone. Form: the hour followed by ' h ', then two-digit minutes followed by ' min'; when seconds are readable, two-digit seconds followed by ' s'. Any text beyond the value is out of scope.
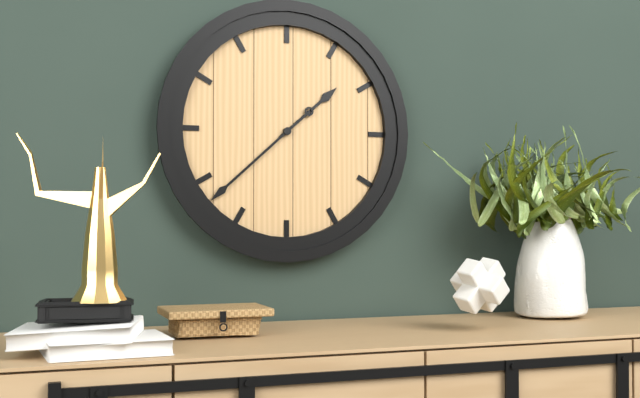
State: 1 h 38 min
